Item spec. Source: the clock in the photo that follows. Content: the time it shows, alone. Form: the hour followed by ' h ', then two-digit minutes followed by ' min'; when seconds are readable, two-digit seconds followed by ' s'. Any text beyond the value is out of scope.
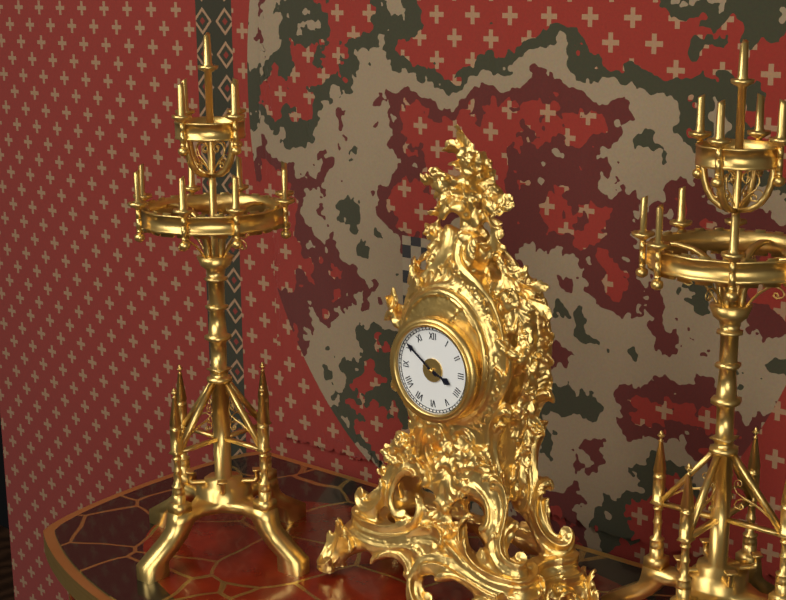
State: 3 h 51 min
